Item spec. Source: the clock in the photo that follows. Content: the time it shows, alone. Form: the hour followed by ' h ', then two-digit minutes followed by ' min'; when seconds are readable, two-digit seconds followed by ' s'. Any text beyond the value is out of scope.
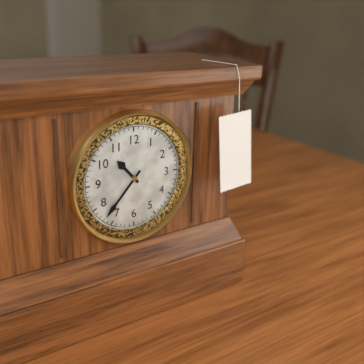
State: 10 h 37 min
